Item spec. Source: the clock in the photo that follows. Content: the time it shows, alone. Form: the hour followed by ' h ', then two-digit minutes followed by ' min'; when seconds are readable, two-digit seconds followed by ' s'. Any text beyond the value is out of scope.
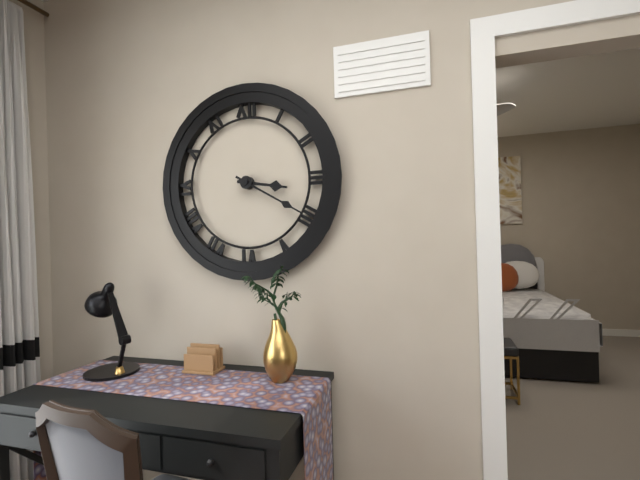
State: 3 h 20 min
